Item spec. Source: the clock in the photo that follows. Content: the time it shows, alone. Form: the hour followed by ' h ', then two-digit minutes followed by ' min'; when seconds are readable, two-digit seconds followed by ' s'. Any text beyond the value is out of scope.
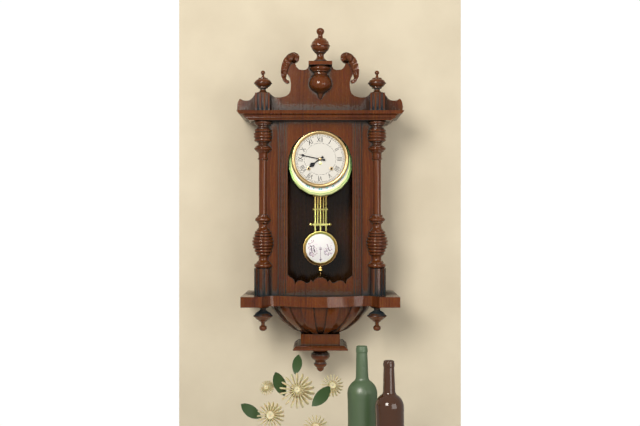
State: 7 h 47 min
